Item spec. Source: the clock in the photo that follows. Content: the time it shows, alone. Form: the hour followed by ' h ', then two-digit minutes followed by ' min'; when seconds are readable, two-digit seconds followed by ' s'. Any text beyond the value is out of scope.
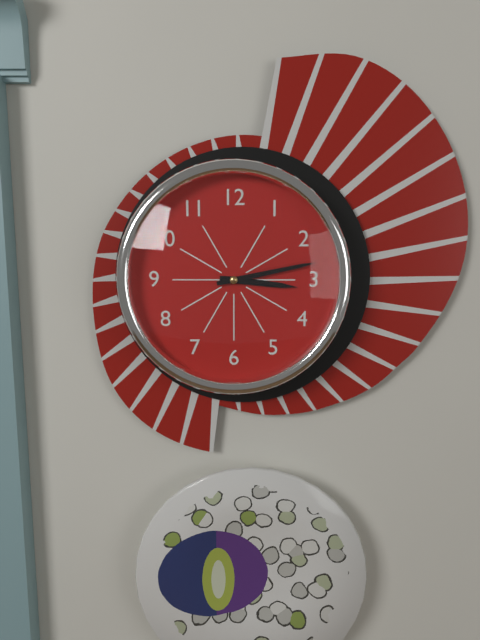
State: 3 h 13 min
